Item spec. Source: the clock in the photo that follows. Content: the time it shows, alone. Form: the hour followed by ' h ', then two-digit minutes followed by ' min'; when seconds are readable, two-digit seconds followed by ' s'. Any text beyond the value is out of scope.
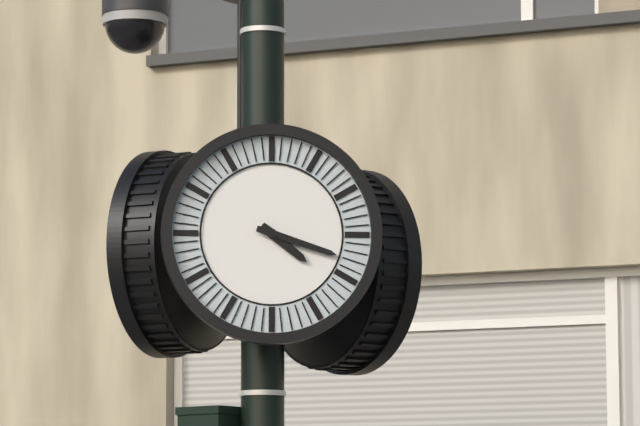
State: 4 h 18 min
